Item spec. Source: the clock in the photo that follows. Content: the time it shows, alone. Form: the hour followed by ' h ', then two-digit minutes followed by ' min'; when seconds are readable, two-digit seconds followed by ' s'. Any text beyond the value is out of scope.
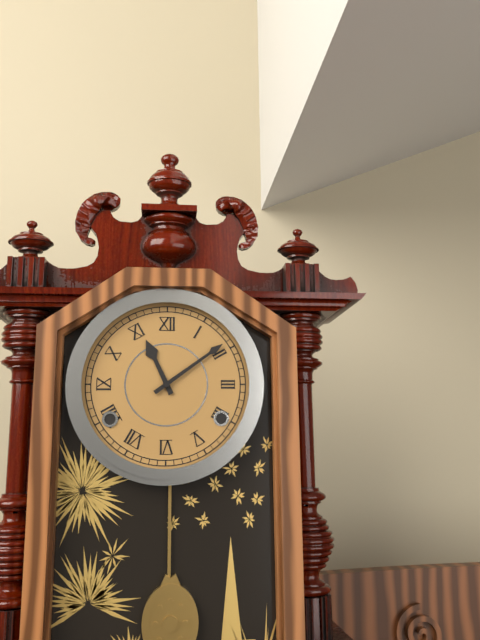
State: 11 h 09 min
